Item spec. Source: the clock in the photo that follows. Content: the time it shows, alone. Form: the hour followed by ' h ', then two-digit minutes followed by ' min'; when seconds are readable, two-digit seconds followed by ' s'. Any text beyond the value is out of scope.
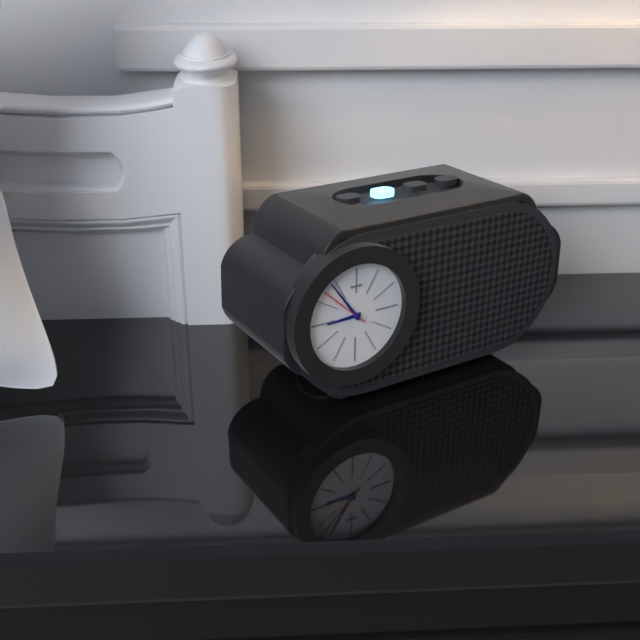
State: 8 h 54 min
